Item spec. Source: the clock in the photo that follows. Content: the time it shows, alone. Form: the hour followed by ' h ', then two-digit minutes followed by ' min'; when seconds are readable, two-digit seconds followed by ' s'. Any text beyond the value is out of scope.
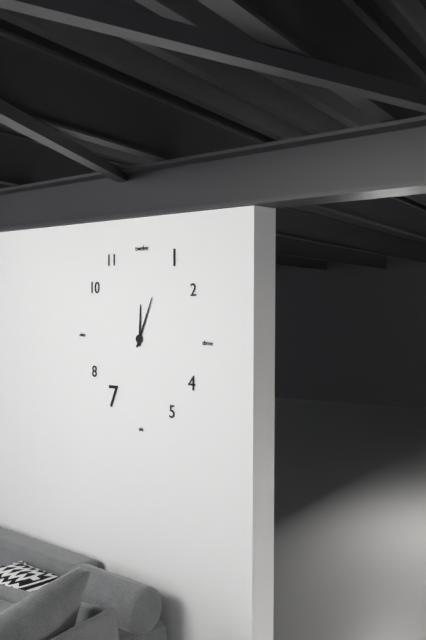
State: 12 h 04 min
